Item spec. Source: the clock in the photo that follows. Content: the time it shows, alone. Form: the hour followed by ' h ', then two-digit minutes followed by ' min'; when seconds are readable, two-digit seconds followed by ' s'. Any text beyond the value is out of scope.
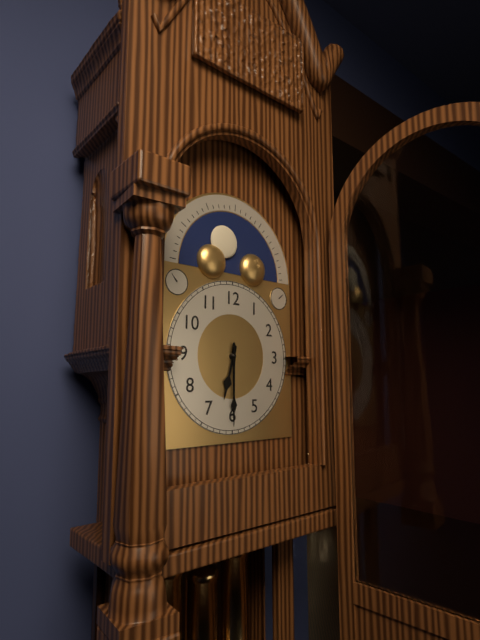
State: 6 h 30 min
